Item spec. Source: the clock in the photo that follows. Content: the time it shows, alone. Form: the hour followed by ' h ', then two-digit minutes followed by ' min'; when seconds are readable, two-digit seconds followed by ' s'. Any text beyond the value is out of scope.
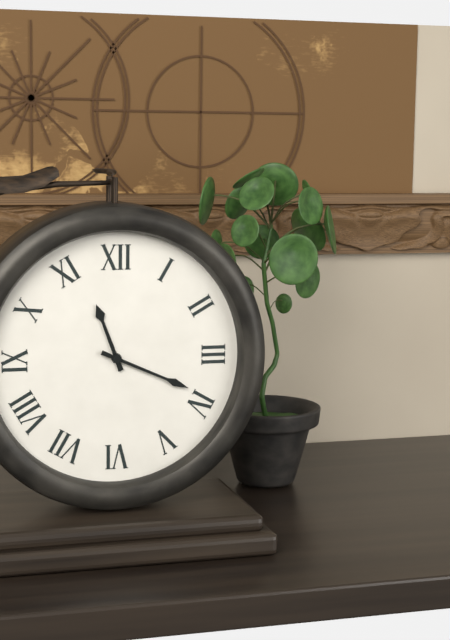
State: 11 h 19 min
